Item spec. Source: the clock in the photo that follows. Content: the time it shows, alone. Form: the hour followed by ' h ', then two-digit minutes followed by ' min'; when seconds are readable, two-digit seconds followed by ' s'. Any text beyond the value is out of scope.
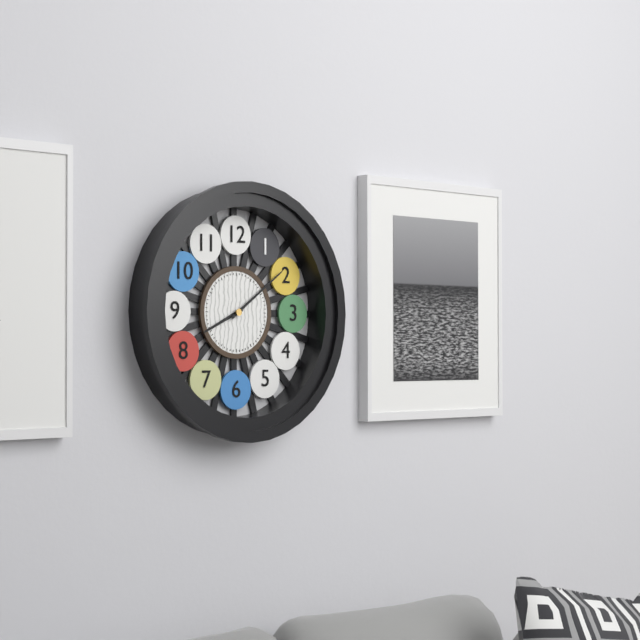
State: 8 h 09 min
